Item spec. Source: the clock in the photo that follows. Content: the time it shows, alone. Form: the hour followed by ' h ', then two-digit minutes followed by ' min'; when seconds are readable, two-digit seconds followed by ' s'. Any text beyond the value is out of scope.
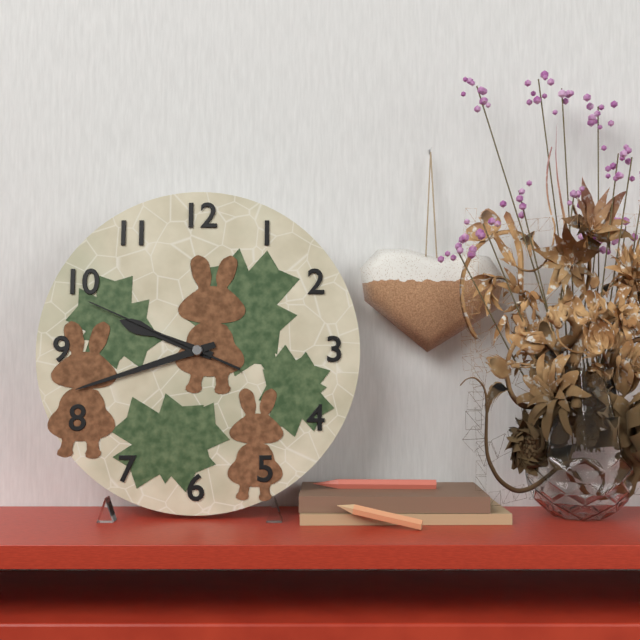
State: 9 h 42 min 49 s
